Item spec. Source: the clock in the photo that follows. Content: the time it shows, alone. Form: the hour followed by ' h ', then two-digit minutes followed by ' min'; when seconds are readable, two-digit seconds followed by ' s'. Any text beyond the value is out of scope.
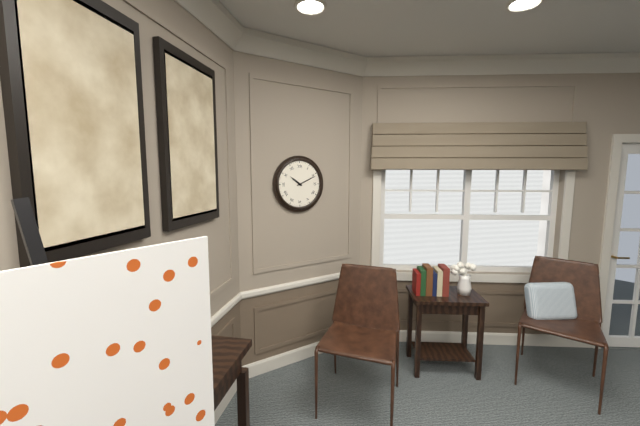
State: 10 h 11 min
